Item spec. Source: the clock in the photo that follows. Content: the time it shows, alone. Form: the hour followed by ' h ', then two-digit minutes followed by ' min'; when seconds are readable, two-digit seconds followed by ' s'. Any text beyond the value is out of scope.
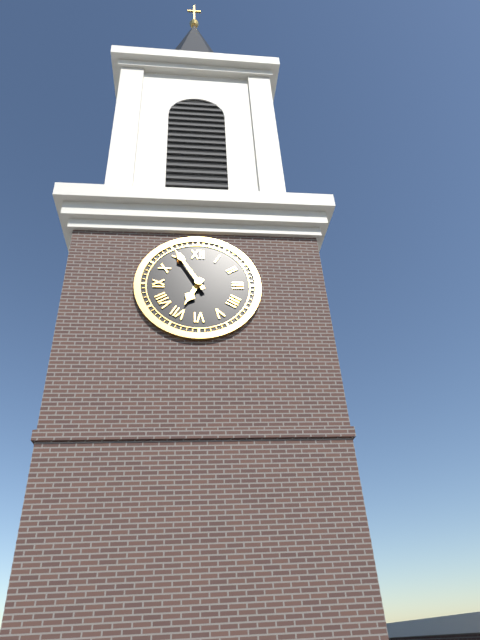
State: 6 h 55 min
